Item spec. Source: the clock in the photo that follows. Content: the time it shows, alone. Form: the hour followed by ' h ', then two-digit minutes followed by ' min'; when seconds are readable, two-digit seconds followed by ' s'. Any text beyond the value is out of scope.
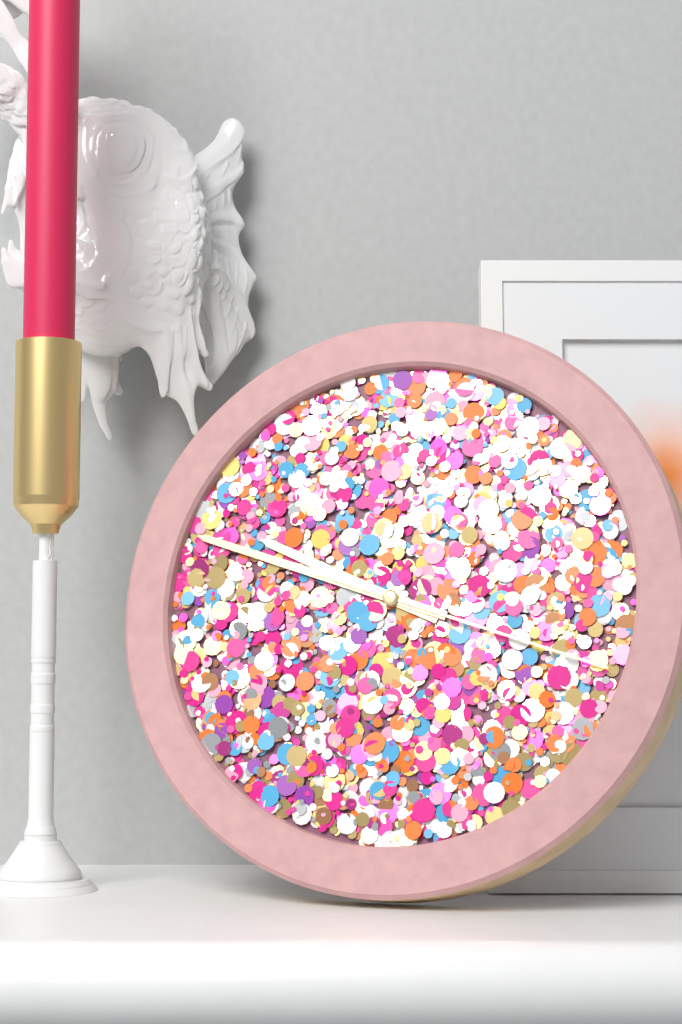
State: 9 h 48 min 18 s
